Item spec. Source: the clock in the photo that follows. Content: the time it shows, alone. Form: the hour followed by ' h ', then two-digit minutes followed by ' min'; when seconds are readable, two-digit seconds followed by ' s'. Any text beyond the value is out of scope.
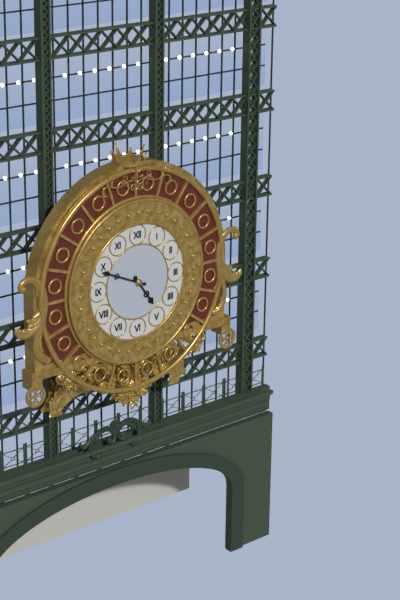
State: 4 h 49 min
